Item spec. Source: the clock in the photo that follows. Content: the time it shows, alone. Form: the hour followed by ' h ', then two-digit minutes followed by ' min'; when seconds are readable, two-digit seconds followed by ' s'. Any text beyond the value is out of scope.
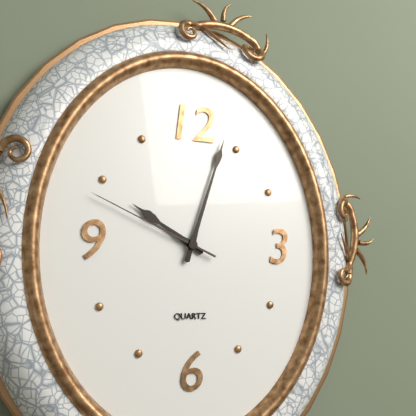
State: 10 h 03 min 49 s
